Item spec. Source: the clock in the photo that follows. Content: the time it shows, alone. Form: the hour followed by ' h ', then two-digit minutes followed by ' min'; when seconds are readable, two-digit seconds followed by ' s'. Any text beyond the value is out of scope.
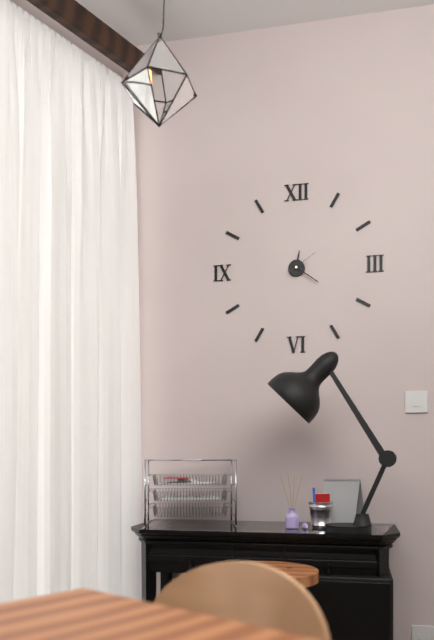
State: 12 h 21 min
